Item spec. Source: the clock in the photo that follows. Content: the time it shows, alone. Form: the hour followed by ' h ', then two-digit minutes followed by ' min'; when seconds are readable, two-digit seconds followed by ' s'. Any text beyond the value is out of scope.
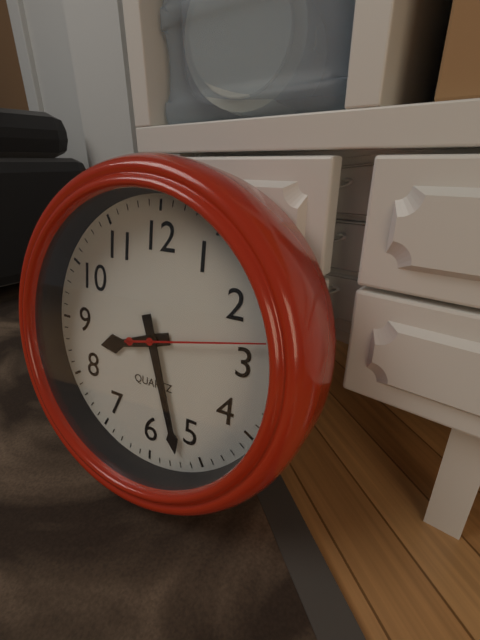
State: 8 h 27 min 13 s
